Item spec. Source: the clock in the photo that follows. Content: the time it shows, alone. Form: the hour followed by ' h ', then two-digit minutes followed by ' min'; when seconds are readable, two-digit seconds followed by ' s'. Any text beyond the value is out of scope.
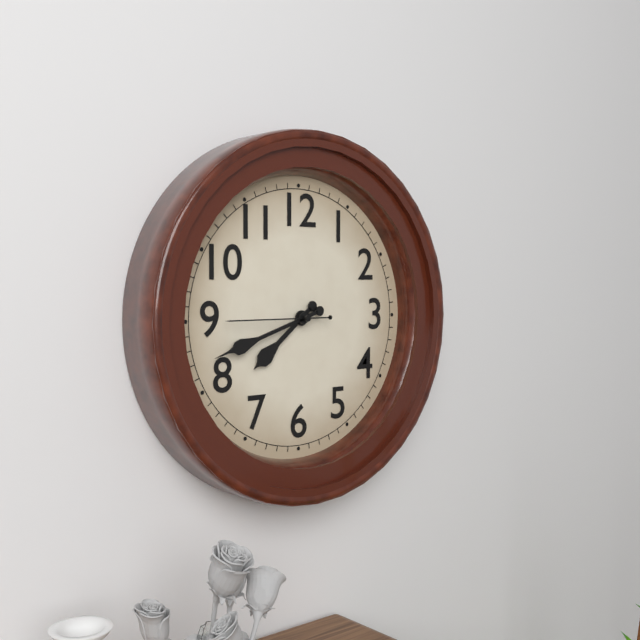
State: 7 h 42 min 45 s
